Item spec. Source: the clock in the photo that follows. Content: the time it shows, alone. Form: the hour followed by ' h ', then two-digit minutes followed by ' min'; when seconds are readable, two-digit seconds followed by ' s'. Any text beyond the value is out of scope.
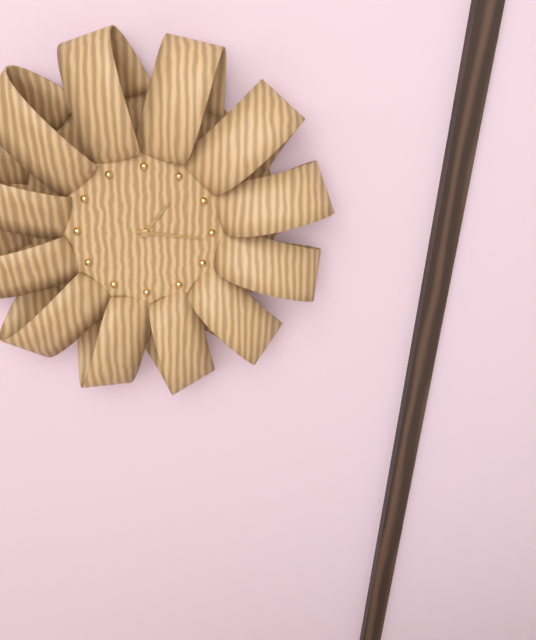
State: 1 h 16 min
